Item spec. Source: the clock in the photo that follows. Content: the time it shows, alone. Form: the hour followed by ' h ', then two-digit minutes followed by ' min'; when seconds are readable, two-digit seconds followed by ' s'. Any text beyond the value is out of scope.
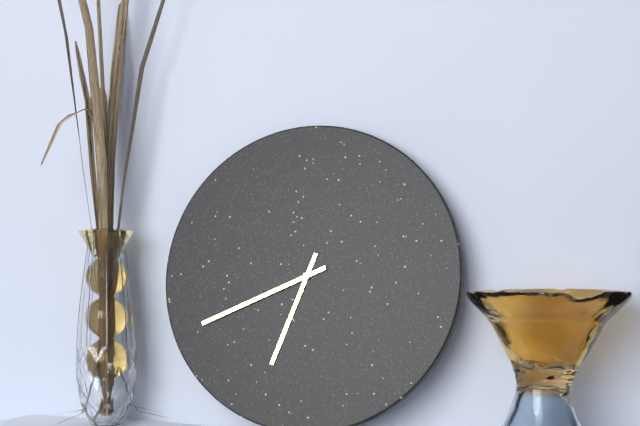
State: 6 h 41 min
